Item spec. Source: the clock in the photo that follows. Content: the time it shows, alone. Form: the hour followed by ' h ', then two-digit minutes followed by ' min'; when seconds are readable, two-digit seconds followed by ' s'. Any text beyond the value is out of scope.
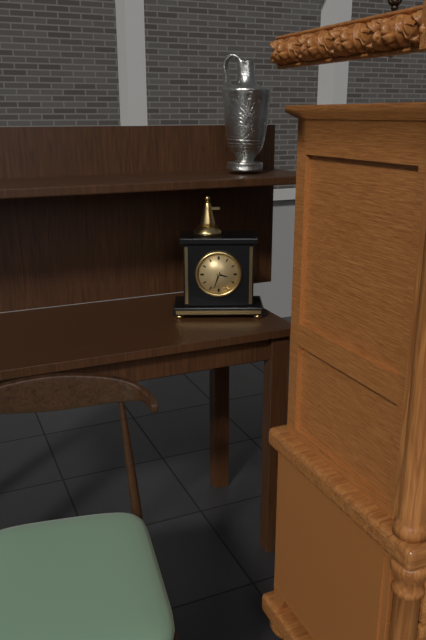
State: 3 h 33 min
